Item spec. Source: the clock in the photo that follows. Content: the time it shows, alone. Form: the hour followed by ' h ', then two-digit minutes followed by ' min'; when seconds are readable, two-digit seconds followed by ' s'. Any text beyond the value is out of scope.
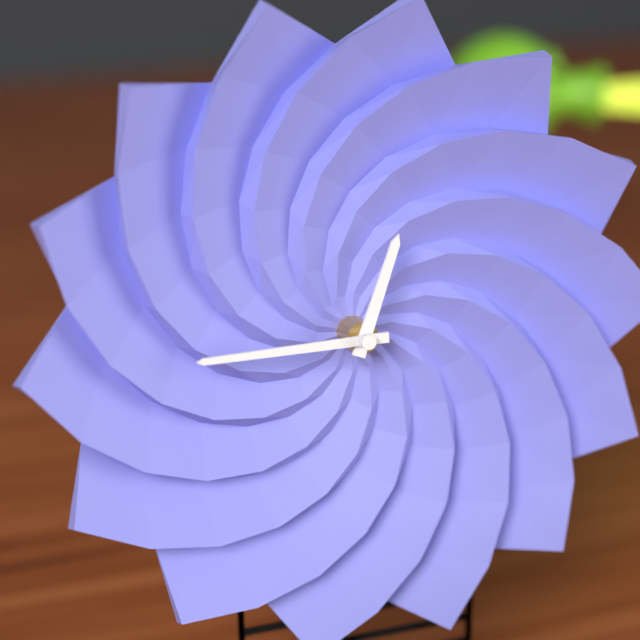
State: 12 h 45 min
